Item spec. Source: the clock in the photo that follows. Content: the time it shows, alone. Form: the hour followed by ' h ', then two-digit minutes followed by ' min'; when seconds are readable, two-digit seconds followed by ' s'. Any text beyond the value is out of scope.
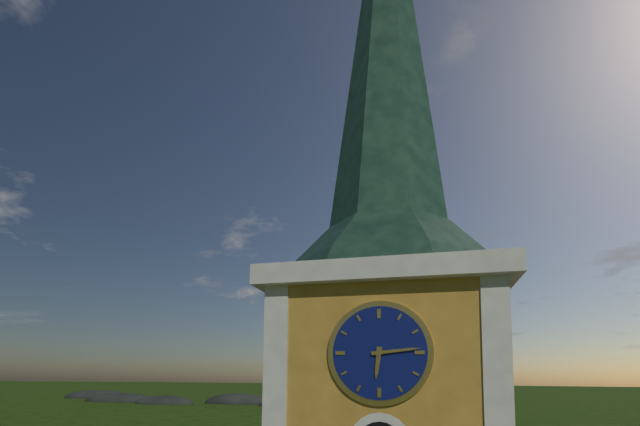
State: 6 h 14 min
